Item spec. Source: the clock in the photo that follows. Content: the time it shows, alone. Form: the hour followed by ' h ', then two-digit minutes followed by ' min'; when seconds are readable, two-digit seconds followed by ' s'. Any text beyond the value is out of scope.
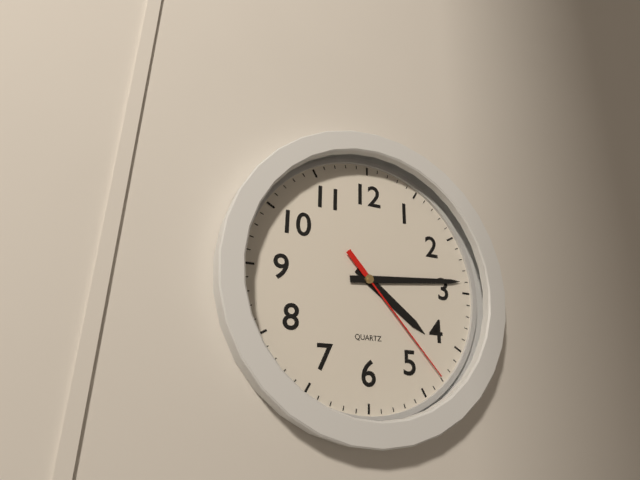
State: 4 h 14 min 23 s
